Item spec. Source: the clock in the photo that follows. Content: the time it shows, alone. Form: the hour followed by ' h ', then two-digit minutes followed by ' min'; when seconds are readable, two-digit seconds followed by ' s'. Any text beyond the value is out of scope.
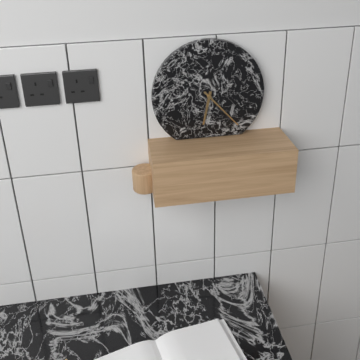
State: 6 h 23 min
